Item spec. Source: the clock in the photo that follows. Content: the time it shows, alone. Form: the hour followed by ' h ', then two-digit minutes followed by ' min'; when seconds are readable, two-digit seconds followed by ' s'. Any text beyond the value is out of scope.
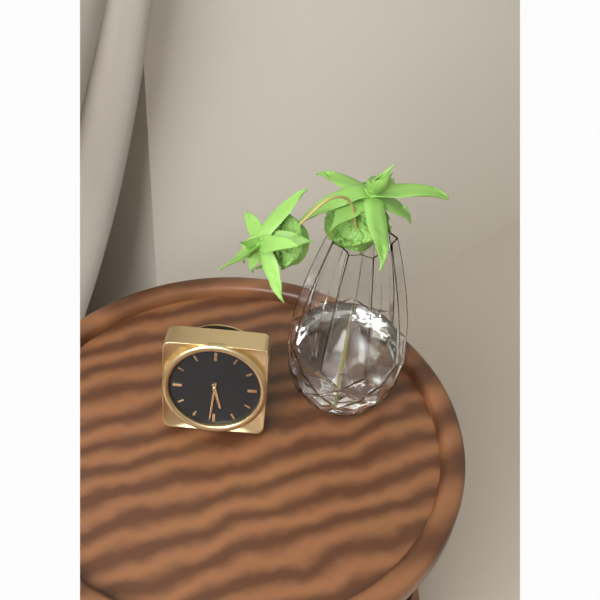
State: 5 h 31 min
